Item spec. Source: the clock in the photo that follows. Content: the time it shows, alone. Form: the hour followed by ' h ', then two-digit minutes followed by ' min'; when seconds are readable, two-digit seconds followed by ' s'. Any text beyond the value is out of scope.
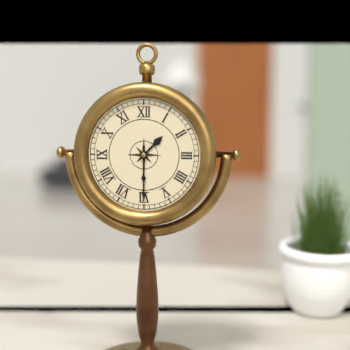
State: 1 h 30 min
